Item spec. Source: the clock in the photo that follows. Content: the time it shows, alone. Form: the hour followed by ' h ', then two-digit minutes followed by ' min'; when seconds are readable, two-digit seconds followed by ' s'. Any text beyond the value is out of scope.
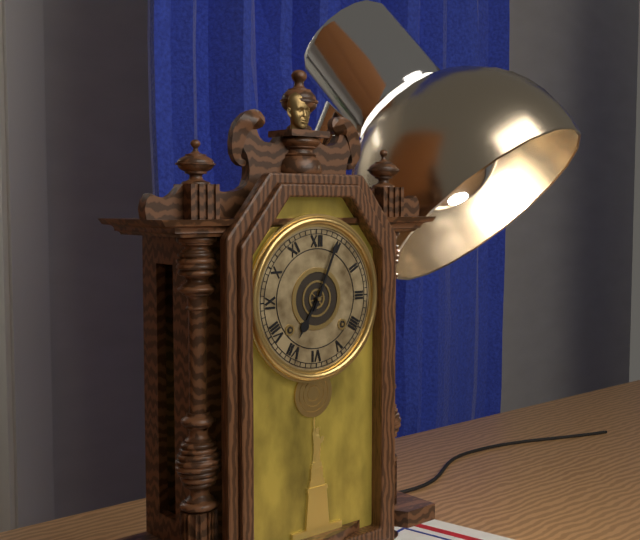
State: 7 h 04 min
